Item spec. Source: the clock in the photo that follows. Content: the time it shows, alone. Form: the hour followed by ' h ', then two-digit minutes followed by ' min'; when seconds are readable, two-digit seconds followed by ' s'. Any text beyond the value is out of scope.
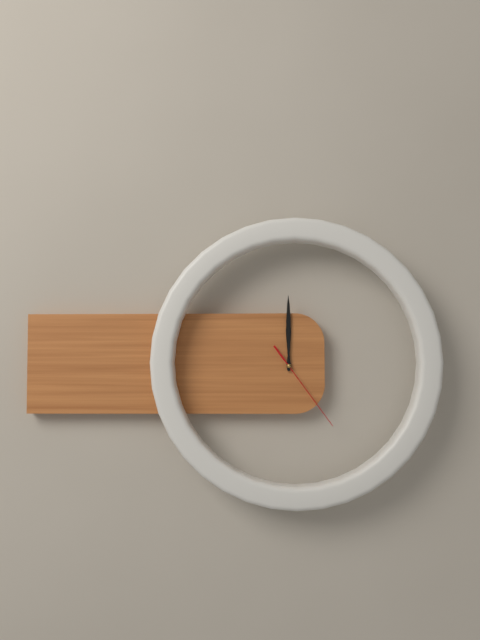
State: 12 h 00 min 24 s
